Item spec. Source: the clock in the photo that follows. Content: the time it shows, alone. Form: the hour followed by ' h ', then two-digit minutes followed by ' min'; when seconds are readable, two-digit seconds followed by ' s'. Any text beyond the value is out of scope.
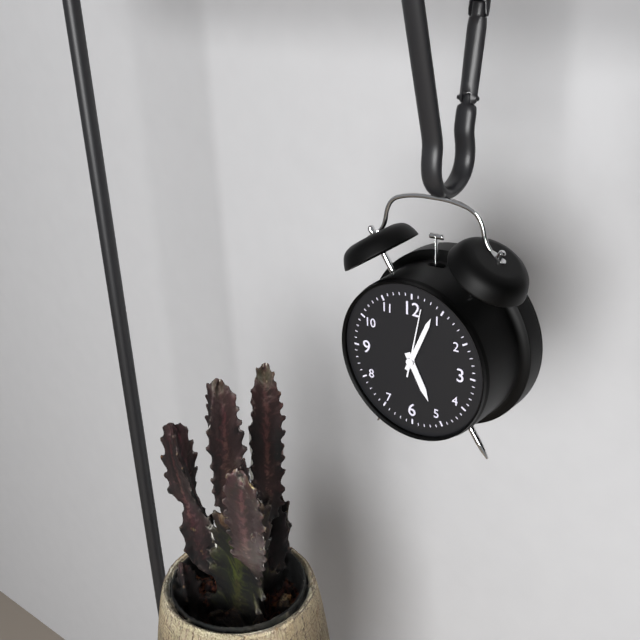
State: 5 h 04 min 02 s
